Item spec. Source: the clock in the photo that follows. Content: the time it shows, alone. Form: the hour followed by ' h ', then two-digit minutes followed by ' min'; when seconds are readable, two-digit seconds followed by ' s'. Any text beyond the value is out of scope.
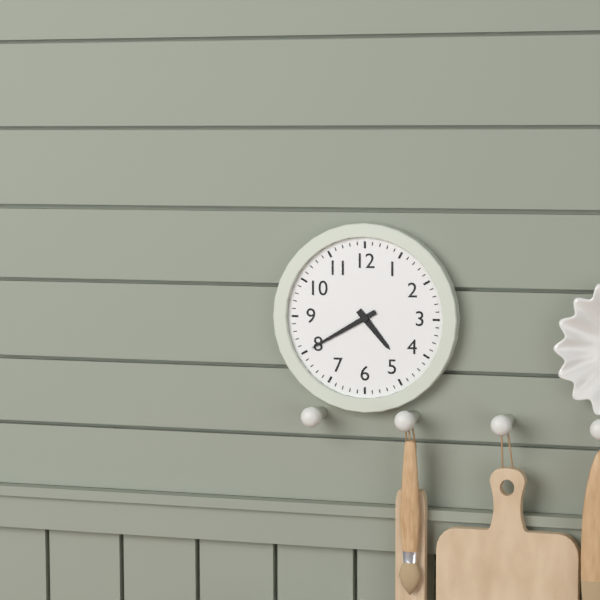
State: 4 h 40 min
